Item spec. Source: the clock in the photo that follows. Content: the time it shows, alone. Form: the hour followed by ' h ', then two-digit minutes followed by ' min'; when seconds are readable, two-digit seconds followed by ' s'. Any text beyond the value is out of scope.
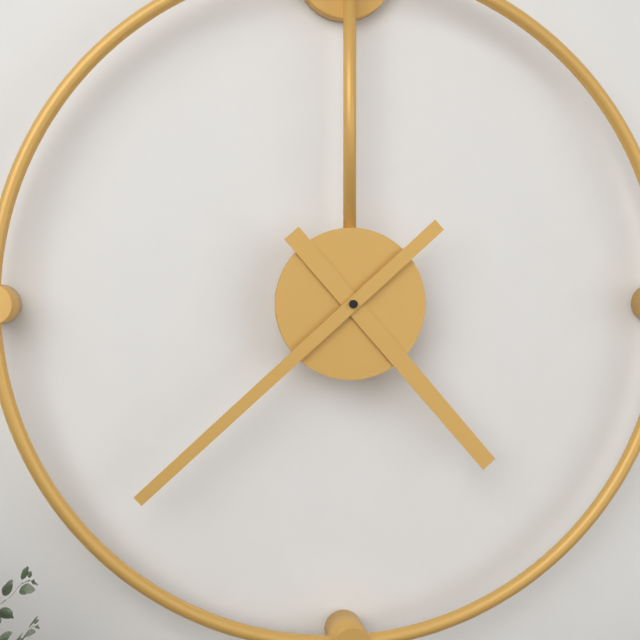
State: 4 h 38 min
